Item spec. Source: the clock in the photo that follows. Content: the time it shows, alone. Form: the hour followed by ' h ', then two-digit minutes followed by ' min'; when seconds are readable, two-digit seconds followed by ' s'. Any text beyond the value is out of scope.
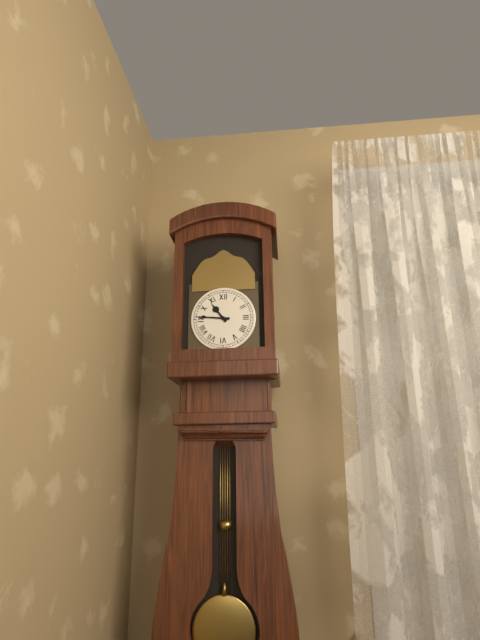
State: 10 h 46 min
